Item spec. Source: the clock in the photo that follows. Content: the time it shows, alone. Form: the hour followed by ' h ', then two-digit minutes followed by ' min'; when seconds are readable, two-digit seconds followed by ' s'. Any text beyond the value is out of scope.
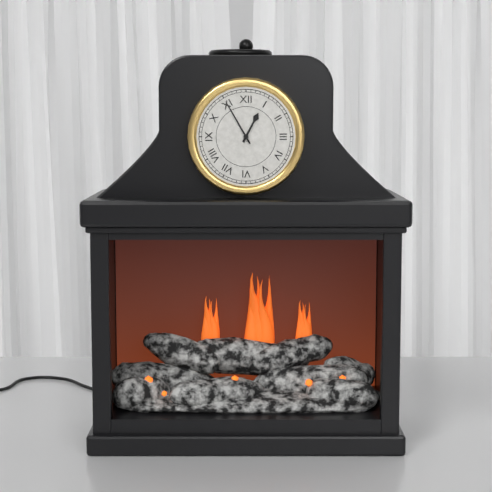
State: 12 h 55 min
